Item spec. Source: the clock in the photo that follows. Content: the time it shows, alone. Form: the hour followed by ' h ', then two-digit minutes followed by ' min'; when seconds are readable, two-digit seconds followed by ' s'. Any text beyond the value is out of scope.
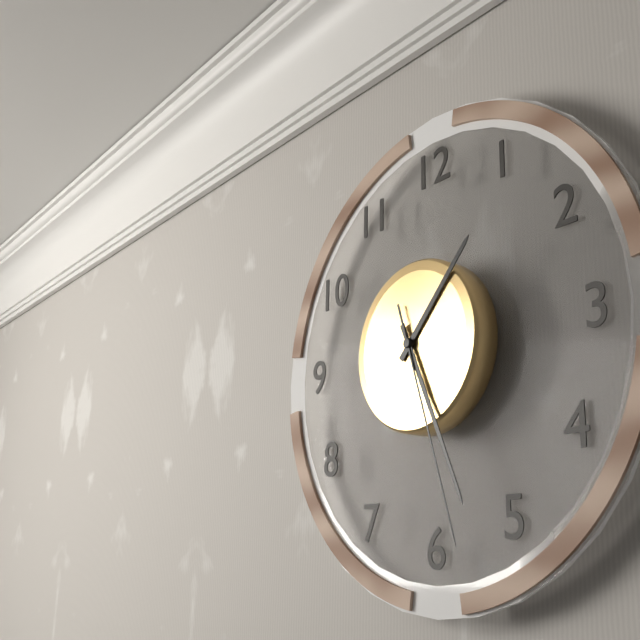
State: 1 h 26 min 27 s
